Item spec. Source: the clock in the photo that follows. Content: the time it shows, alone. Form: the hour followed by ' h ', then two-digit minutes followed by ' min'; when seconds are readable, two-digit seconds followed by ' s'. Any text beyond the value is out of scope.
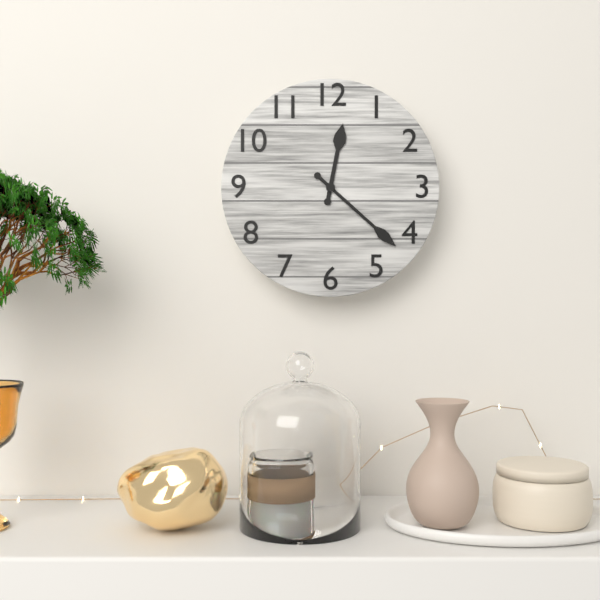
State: 12 h 22 min
